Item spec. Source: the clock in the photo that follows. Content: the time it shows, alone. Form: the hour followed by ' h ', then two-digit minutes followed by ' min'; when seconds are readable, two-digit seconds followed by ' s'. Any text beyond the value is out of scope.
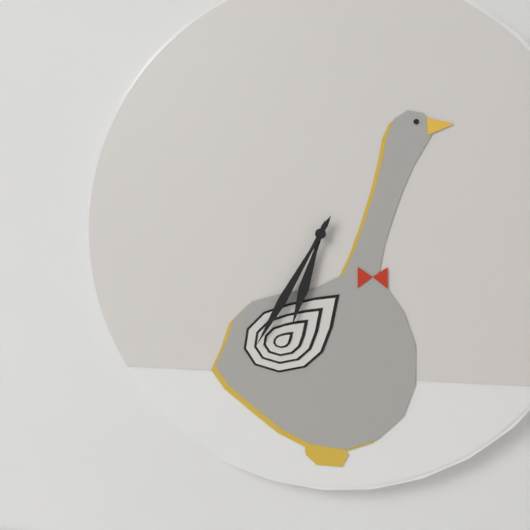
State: 6 h 35 min
